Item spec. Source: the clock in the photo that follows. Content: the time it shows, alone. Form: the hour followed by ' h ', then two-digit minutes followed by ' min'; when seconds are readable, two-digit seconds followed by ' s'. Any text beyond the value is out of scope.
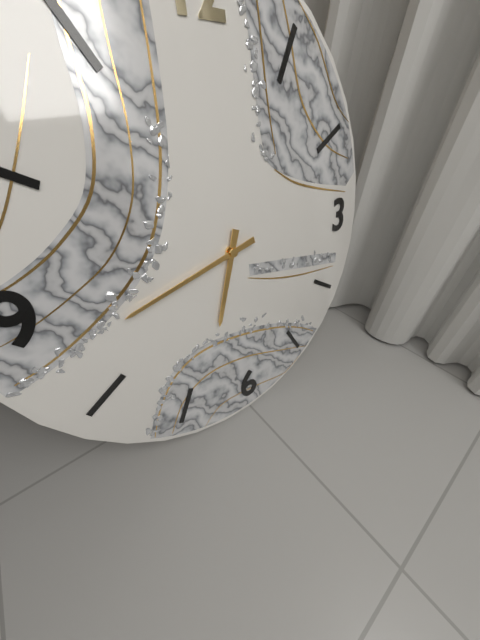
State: 6 h 43 min
